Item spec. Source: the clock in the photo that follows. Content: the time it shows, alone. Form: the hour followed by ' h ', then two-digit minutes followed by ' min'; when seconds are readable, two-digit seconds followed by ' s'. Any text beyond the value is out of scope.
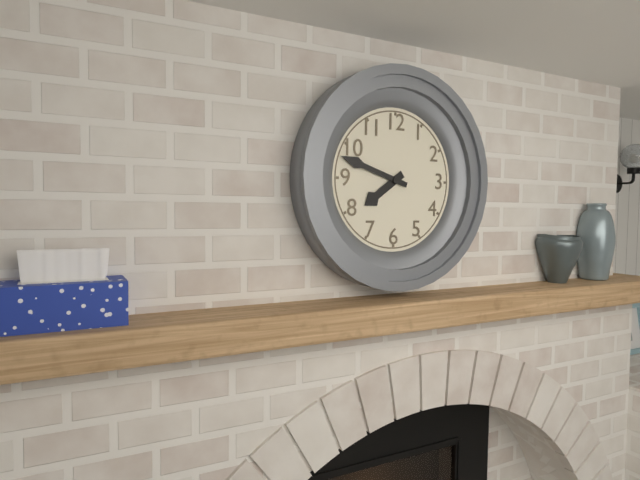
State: 7 h 48 min
